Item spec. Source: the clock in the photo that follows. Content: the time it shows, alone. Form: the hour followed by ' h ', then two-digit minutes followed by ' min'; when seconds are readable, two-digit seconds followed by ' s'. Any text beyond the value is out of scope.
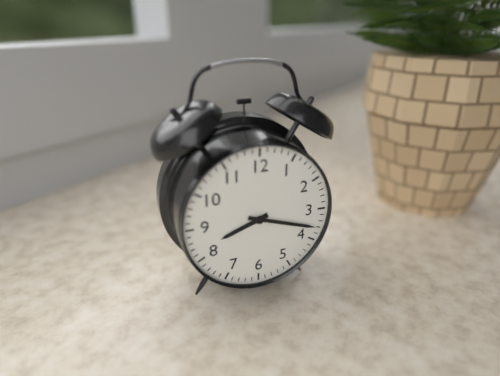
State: 8 h 18 min
